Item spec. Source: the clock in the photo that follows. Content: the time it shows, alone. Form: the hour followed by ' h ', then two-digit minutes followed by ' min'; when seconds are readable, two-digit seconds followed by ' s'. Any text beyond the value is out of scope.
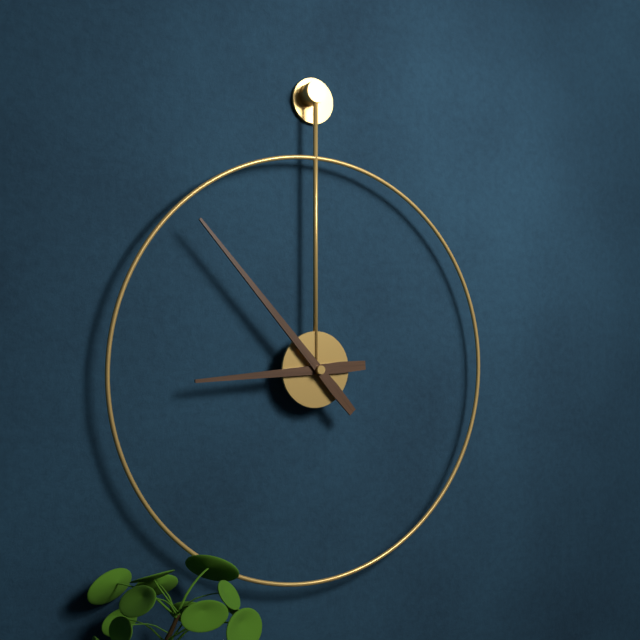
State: 8 h 53 min
